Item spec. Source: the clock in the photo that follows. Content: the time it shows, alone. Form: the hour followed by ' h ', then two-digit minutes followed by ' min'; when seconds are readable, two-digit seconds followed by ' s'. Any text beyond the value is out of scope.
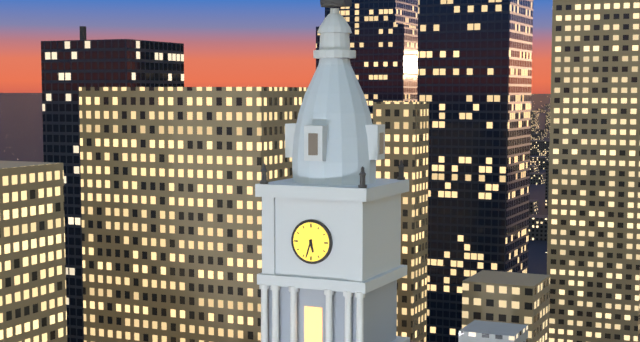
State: 5 h 33 min
